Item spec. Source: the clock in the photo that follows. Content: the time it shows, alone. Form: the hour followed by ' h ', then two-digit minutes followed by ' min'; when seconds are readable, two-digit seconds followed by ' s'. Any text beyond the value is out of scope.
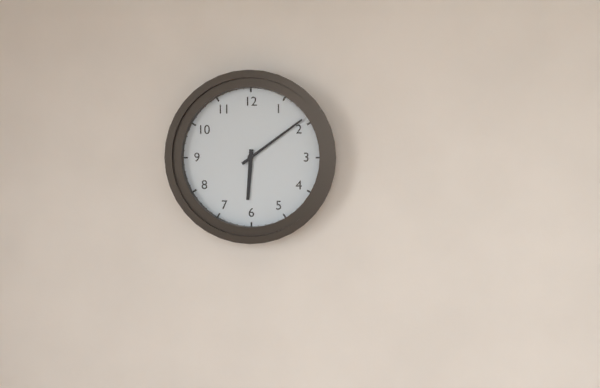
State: 6 h 09 min
